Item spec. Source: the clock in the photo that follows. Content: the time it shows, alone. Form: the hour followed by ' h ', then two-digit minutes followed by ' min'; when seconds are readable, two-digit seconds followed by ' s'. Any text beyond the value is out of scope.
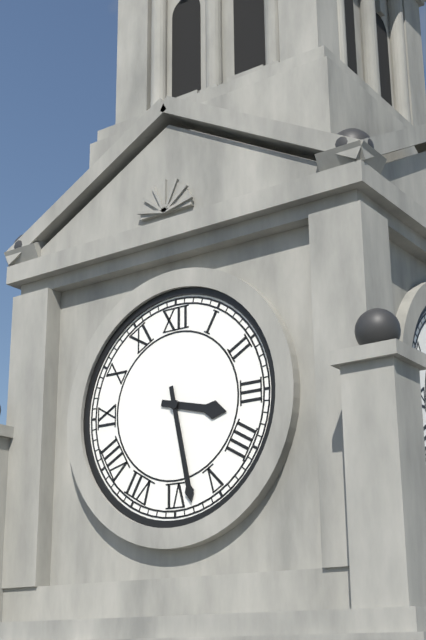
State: 3 h 28 min
